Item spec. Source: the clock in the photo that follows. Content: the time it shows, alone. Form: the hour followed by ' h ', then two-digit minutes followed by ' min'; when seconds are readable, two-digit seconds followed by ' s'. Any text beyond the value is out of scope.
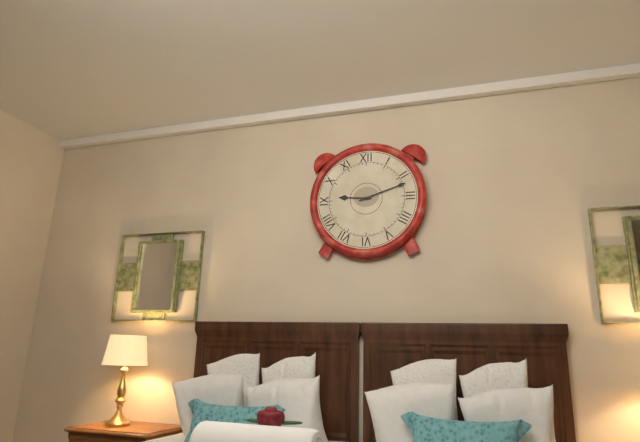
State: 9 h 12 min
